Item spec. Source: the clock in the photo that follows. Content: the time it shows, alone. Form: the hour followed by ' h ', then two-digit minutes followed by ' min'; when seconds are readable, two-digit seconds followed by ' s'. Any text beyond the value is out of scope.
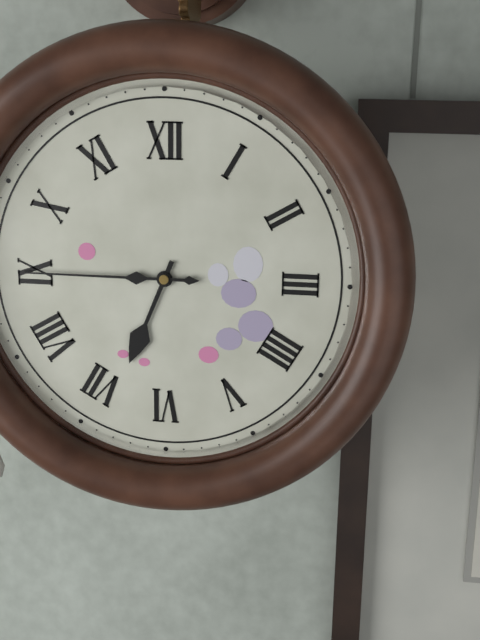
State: 6 h 45 min
